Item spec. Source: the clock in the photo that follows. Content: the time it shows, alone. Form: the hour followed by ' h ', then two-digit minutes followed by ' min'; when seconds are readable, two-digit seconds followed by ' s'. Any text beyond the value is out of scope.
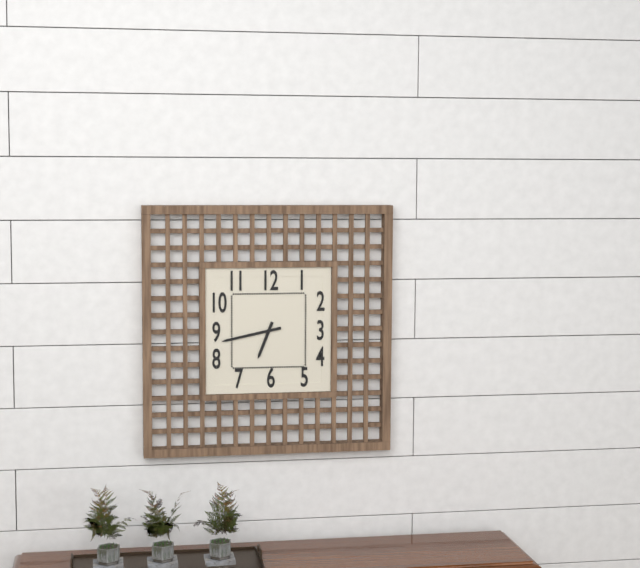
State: 6 h 43 min
